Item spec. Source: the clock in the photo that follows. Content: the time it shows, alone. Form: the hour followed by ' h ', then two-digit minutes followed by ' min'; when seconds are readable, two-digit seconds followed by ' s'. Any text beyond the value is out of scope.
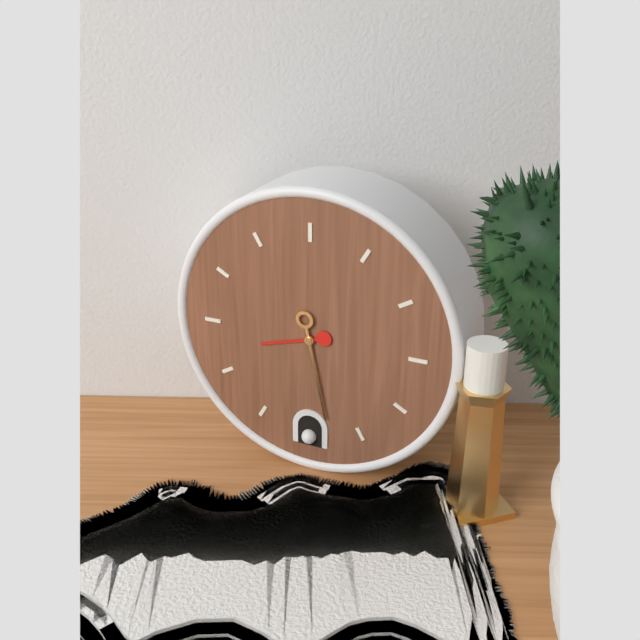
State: 8 h 28 min
